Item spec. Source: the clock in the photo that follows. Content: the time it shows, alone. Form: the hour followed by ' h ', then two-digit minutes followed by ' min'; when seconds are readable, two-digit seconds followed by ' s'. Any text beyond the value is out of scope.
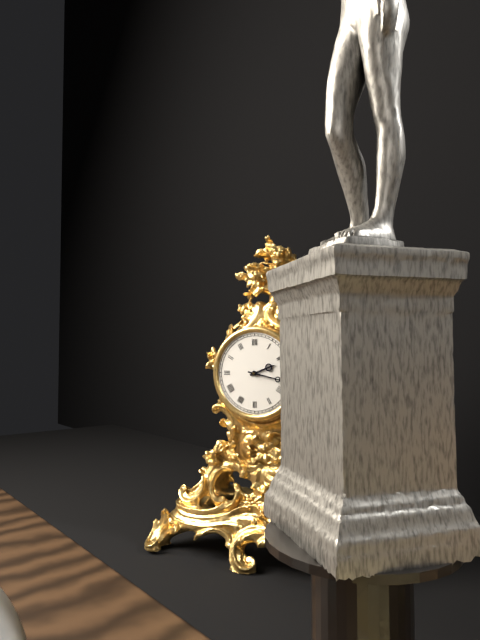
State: 2 h 17 min
